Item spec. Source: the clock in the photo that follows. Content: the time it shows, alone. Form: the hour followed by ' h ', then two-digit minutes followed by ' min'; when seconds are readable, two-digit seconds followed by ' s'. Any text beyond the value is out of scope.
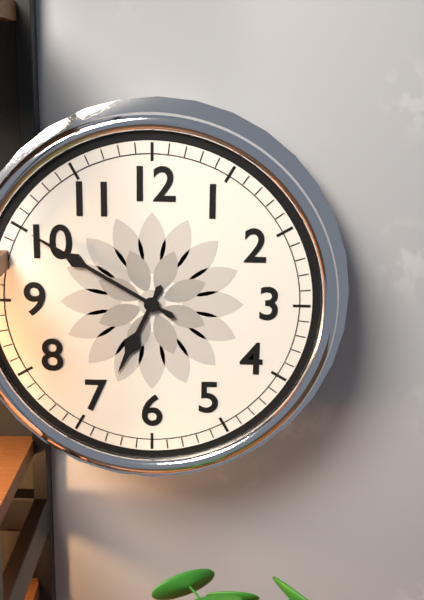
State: 6 h 50 min
